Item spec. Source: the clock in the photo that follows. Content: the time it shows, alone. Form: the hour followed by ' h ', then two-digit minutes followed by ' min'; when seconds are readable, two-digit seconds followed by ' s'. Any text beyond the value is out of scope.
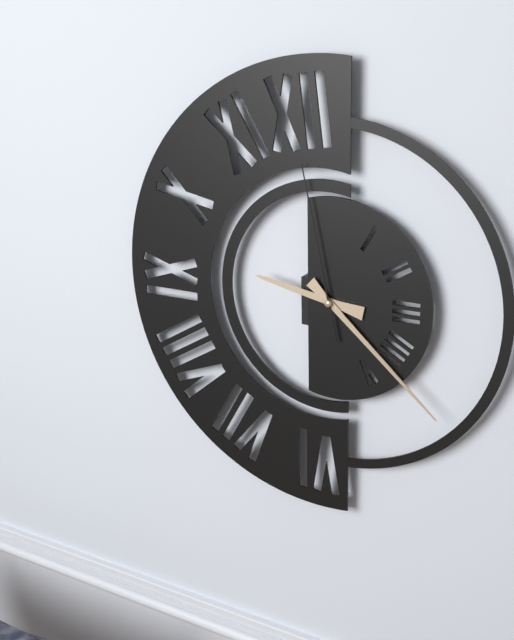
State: 9 h 22 min 58 s
